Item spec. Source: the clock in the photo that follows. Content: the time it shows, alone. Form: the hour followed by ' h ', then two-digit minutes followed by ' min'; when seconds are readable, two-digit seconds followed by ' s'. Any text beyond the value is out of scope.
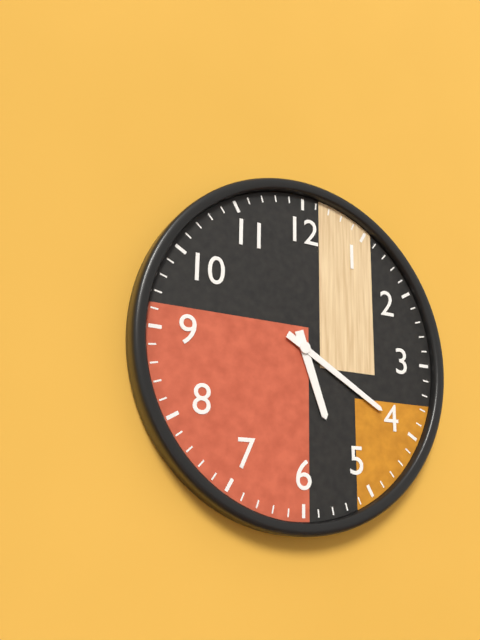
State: 5 h 20 min
